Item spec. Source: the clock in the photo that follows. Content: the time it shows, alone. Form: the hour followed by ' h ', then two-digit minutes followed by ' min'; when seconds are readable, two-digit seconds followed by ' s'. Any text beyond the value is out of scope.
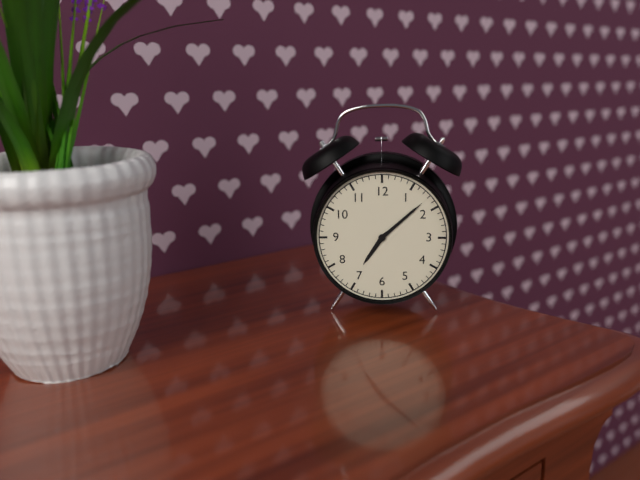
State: 7 h 08 min
